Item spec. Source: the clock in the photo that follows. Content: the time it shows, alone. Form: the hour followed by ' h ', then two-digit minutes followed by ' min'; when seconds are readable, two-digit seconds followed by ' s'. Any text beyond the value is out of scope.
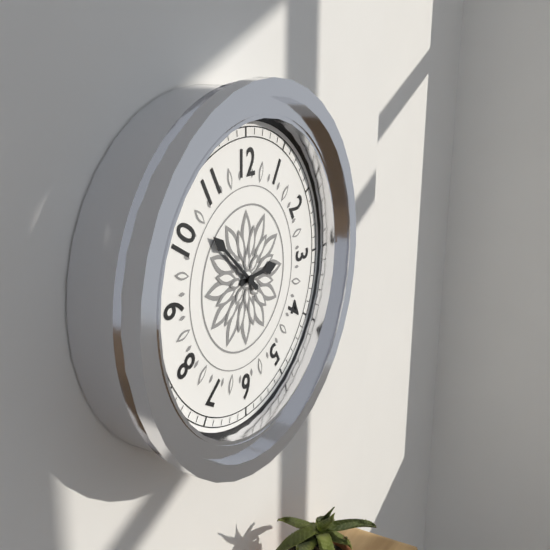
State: 2 h 52 min
